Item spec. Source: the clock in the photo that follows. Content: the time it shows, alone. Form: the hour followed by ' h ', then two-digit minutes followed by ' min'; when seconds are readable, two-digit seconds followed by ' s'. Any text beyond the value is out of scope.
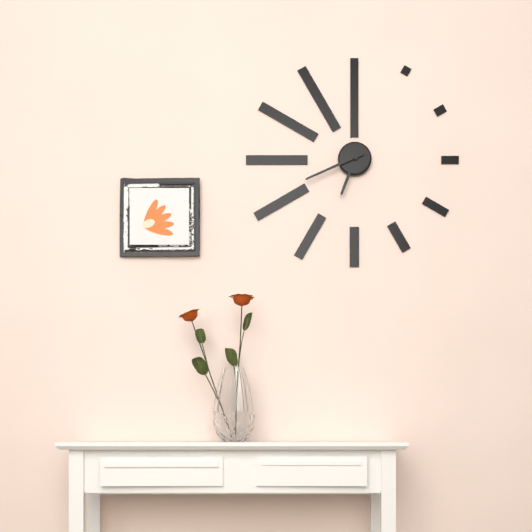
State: 6 h 41 min
